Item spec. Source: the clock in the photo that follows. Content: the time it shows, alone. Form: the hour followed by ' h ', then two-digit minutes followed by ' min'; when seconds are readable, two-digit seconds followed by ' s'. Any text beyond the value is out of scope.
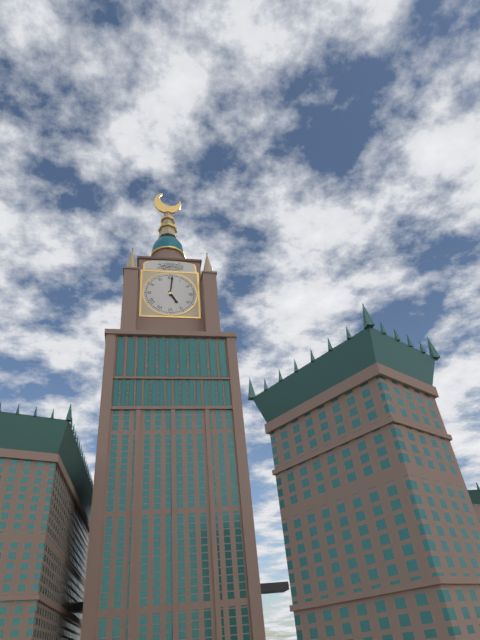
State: 5 h 01 min
